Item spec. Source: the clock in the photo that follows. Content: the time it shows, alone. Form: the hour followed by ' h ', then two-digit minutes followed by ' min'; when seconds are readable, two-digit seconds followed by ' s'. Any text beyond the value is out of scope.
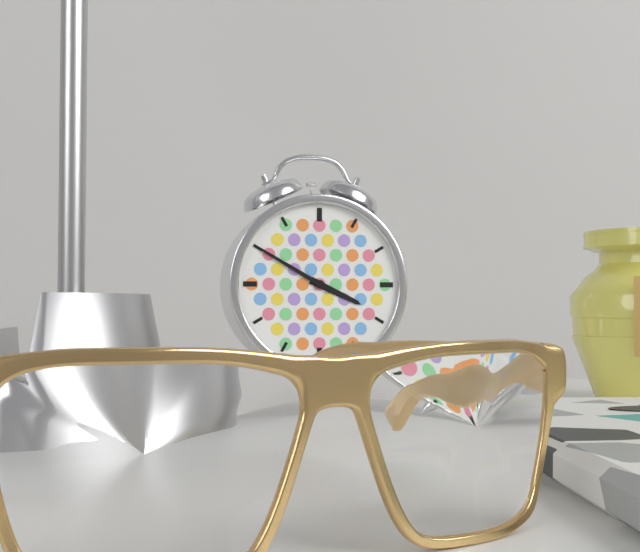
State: 3 h 50 min
